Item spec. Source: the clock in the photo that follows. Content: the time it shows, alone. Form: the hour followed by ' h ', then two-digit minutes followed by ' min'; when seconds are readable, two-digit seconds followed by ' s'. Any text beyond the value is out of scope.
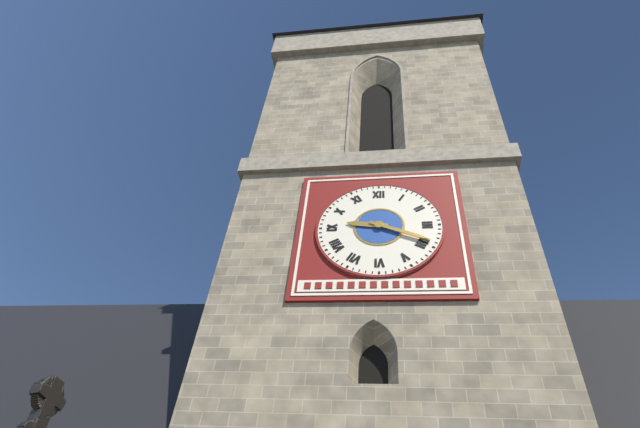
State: 9 h 19 min
